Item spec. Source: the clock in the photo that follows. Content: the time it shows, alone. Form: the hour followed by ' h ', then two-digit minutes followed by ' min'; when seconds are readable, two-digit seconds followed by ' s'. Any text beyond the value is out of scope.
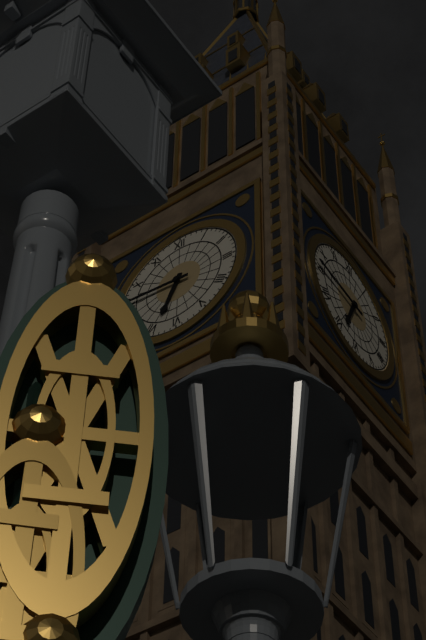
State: 6 h 46 min
